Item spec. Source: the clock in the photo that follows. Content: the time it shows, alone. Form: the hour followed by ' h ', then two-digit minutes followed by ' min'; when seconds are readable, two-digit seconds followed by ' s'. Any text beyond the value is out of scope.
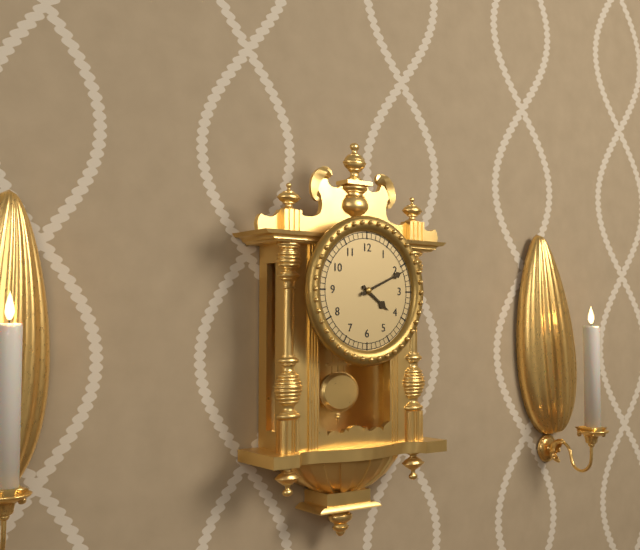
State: 4 h 11 min
